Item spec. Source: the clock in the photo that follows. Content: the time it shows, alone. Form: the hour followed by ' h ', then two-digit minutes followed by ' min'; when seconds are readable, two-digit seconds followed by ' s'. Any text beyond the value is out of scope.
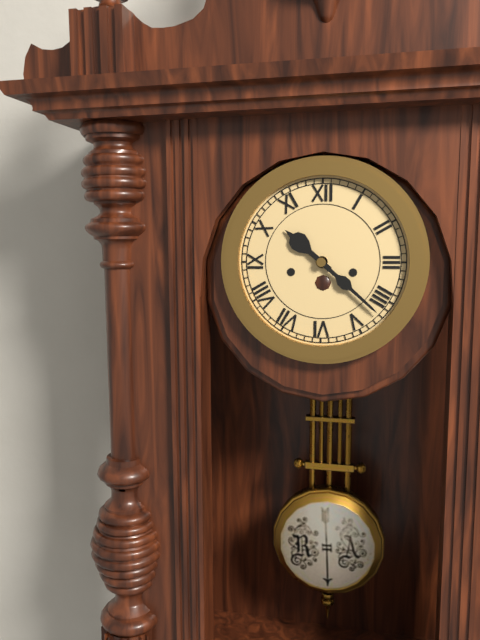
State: 10 h 22 min
